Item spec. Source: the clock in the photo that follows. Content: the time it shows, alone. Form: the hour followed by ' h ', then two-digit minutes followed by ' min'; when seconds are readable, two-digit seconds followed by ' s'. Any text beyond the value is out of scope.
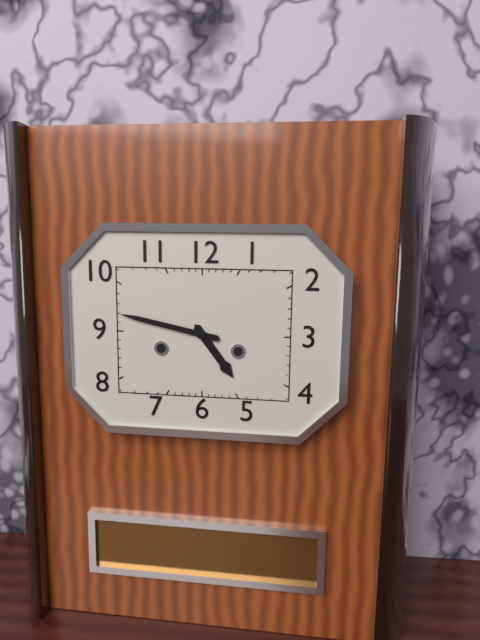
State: 4 h 47 min
